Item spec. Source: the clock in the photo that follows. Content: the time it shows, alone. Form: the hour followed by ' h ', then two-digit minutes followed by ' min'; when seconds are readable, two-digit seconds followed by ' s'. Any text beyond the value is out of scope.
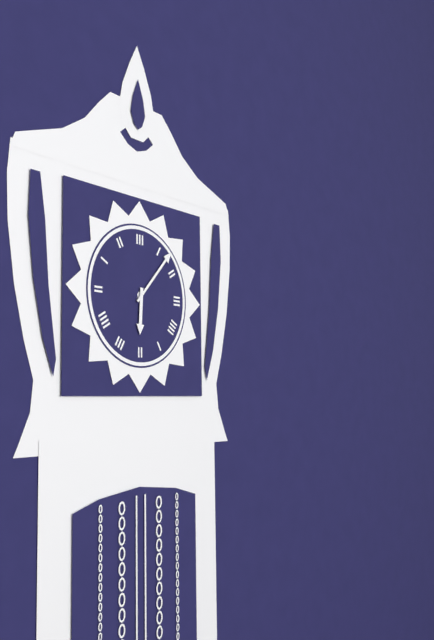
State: 6 h 07 min
